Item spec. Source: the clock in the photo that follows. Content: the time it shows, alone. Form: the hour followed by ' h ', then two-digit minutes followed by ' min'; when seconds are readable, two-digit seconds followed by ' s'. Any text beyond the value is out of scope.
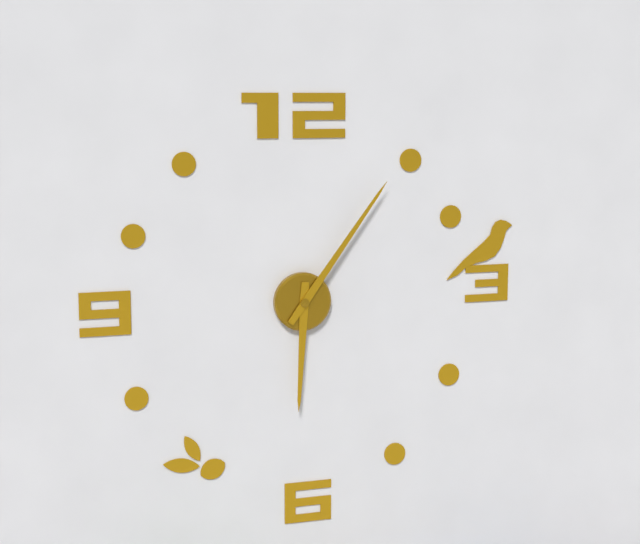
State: 6 h 06 min
